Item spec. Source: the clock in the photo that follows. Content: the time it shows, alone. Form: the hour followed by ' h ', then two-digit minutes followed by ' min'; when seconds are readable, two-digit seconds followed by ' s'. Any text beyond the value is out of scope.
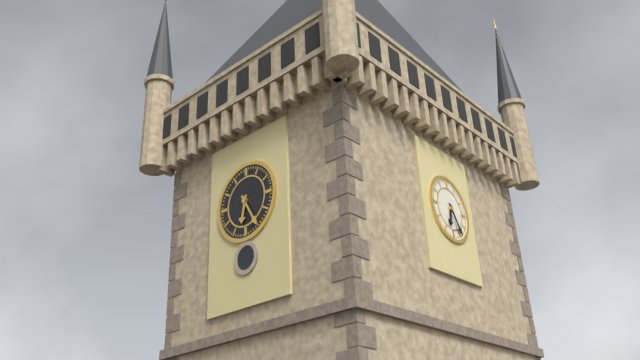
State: 6 h 25 min
